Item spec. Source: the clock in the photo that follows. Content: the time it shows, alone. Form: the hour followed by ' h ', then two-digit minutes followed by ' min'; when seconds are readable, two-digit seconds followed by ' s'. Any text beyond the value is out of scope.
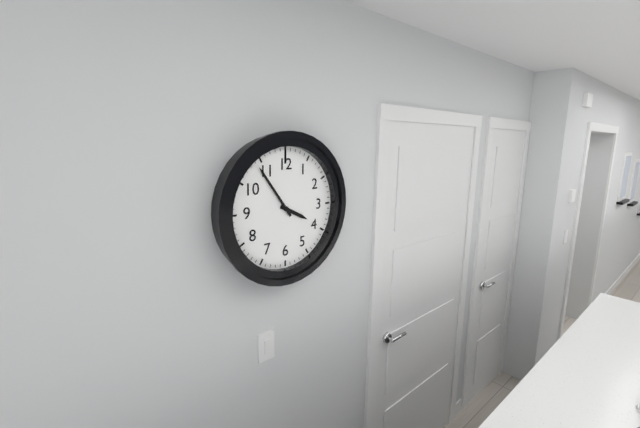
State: 3 h 54 min
